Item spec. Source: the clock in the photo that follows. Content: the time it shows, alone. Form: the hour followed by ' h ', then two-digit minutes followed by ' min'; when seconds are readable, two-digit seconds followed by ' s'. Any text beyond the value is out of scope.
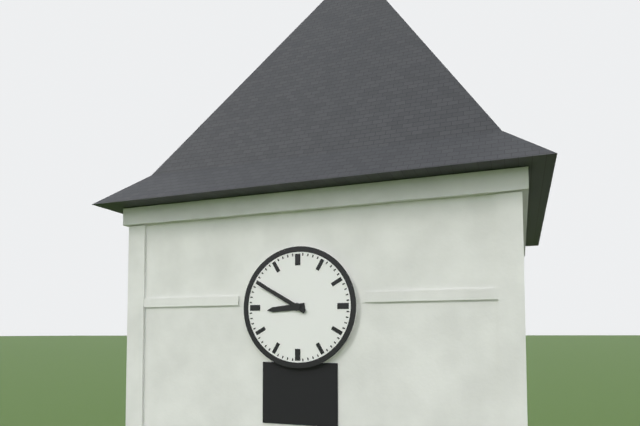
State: 8 h 50 min
